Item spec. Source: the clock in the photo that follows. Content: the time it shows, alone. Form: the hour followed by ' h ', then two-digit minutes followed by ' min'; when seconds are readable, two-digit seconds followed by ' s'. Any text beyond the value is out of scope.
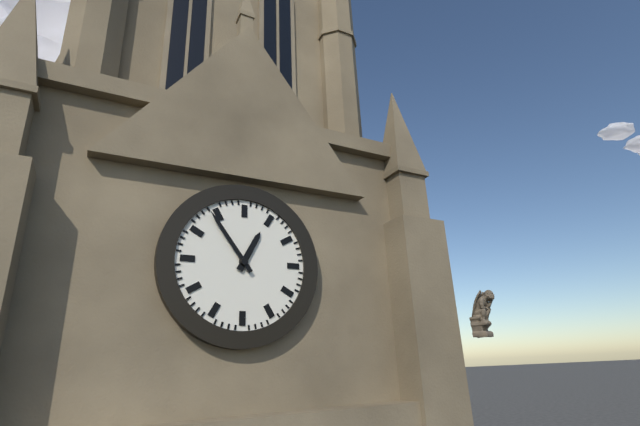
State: 12 h 54 min
